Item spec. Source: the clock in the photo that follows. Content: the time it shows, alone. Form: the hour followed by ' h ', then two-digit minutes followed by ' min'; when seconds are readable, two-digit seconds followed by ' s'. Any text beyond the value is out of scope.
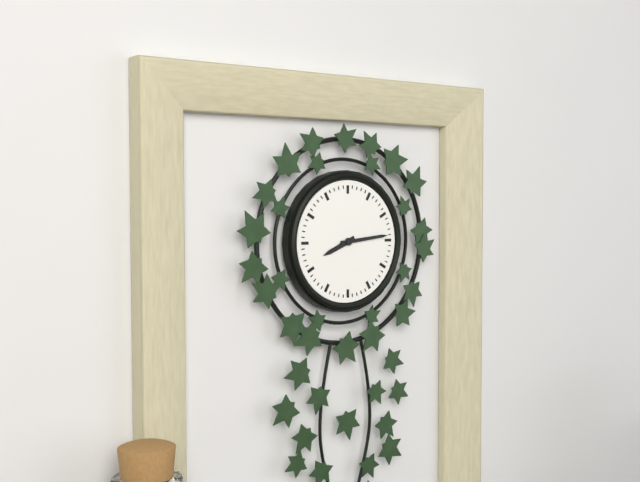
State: 8 h 14 min
